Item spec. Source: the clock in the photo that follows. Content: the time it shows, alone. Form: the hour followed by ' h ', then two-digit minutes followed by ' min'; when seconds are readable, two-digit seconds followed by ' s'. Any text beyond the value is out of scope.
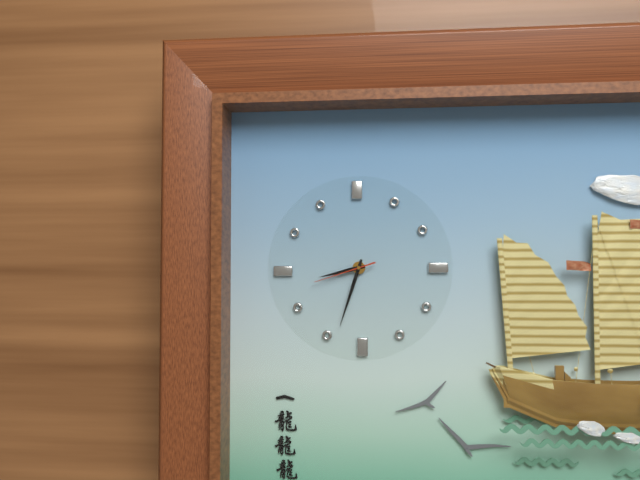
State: 8 h 33 min 42 s
